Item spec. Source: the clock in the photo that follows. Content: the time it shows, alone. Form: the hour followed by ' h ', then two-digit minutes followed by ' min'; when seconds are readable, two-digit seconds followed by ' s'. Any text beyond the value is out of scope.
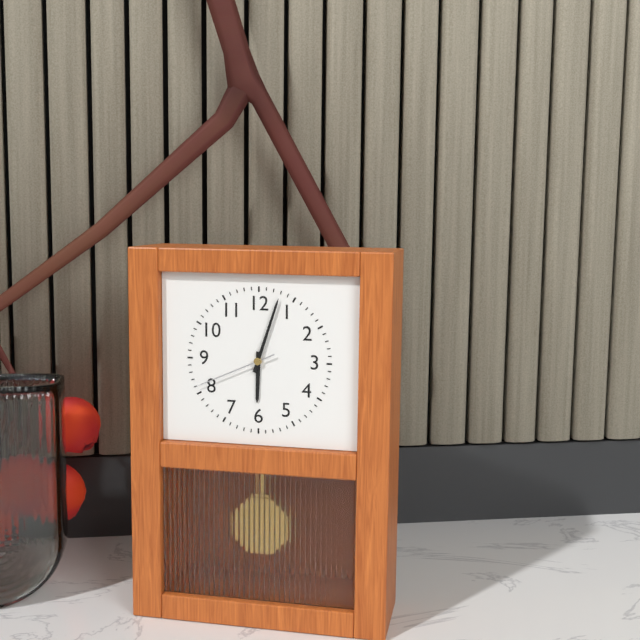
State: 6 h 03 min 41 s
